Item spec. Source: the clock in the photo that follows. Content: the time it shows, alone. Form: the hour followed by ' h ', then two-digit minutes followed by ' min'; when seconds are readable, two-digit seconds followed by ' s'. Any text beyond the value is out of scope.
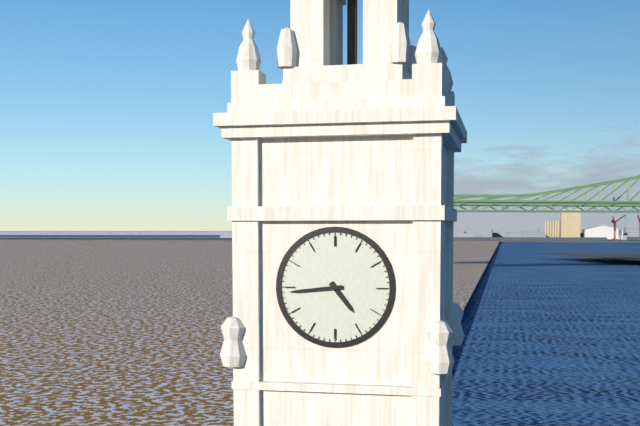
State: 4 h 44 min
